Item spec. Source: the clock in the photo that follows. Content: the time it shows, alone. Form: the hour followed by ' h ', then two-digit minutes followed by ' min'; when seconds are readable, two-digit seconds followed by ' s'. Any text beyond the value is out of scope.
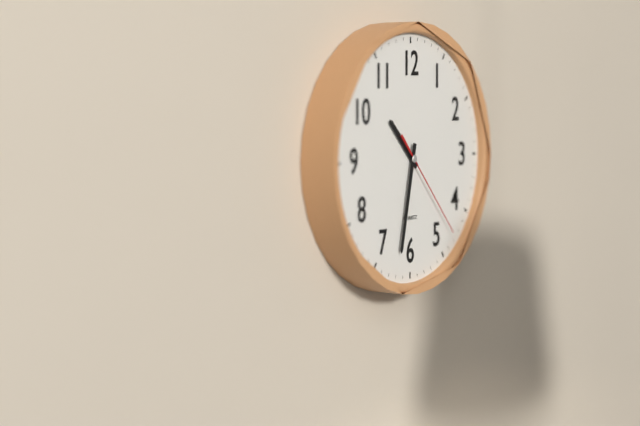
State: 10 h 32 min 23 s
